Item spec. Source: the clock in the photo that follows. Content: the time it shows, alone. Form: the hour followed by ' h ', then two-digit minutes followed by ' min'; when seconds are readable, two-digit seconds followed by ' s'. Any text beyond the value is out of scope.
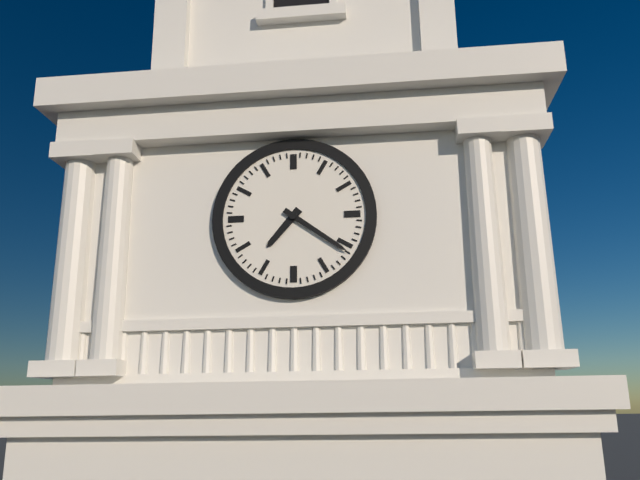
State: 7 h 21 min
